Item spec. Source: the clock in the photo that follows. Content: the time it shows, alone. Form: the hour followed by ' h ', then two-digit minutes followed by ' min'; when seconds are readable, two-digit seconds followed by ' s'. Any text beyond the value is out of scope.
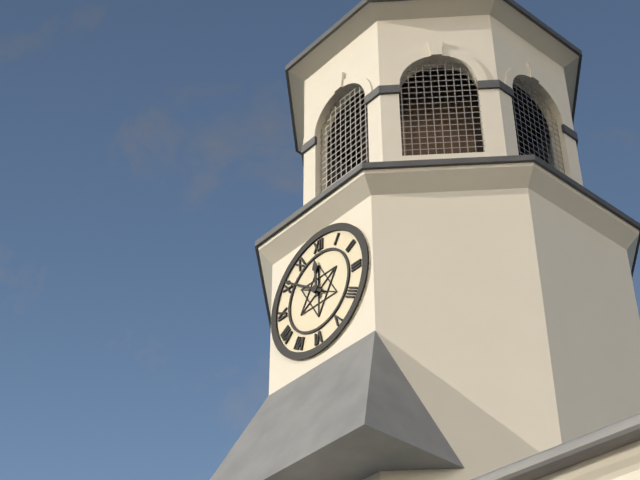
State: 11 h 51 min
